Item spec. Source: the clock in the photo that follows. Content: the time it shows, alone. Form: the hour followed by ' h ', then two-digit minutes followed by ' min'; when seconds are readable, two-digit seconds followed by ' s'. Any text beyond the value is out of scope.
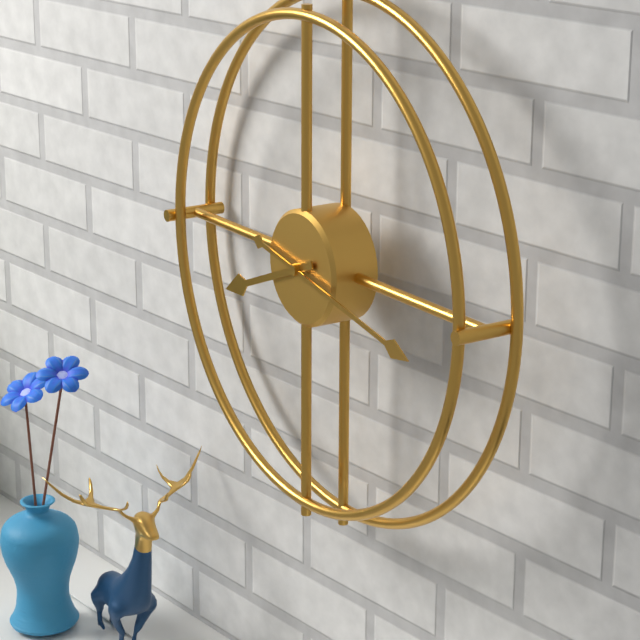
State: 8 h 17 min
